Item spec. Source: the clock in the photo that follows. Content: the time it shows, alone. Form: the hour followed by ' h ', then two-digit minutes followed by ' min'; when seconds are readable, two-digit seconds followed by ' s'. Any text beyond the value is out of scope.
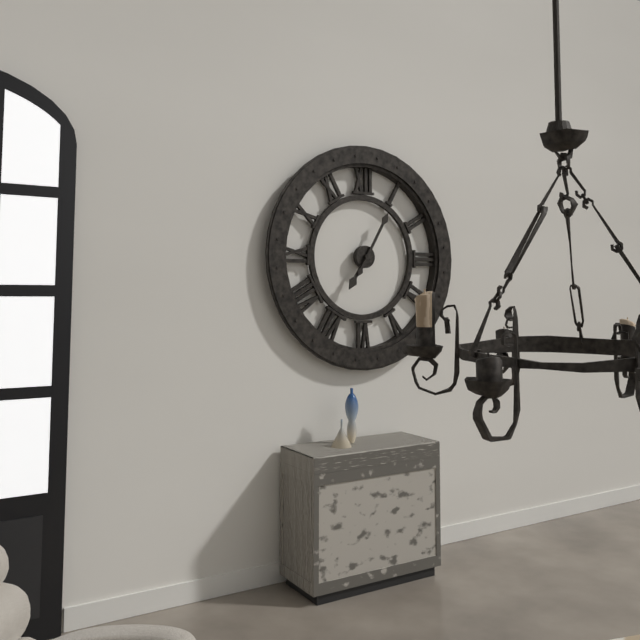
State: 7 h 05 min
